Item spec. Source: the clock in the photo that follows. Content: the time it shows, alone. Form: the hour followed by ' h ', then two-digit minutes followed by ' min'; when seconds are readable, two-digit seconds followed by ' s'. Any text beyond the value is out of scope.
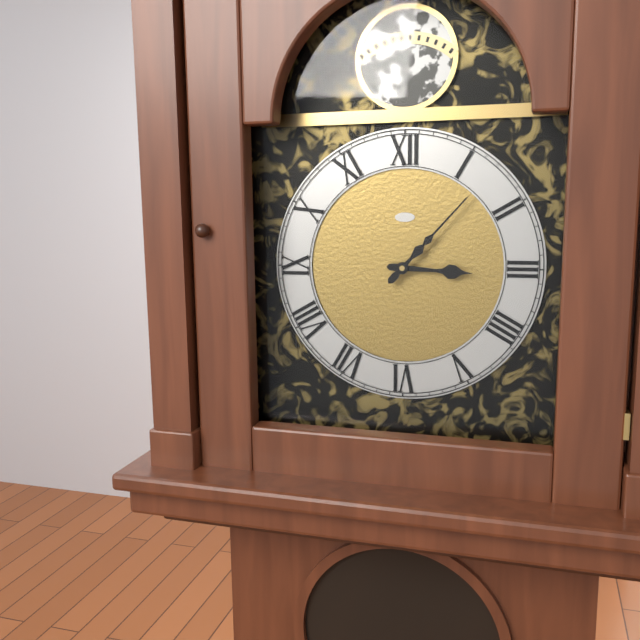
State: 3 h 07 min
